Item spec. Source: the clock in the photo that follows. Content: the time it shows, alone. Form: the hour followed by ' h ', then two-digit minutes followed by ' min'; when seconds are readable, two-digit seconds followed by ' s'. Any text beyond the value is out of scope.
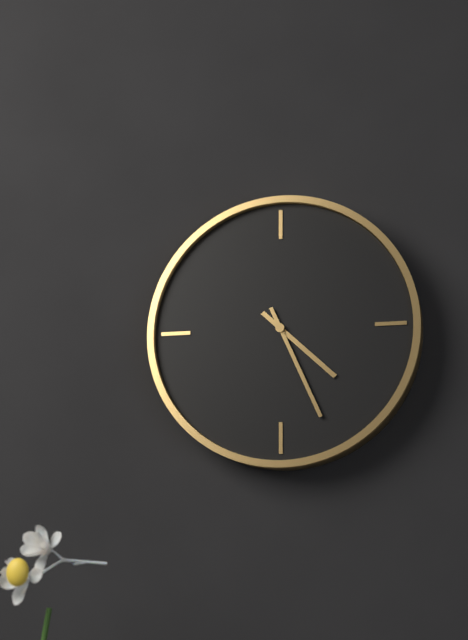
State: 4 h 26 min
